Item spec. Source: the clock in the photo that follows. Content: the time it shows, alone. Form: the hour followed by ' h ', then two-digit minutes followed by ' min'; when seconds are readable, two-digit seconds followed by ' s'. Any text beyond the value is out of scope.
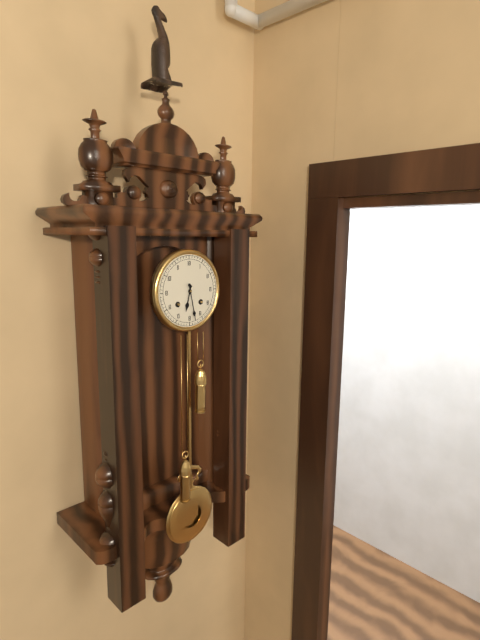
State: 6 h 28 min
